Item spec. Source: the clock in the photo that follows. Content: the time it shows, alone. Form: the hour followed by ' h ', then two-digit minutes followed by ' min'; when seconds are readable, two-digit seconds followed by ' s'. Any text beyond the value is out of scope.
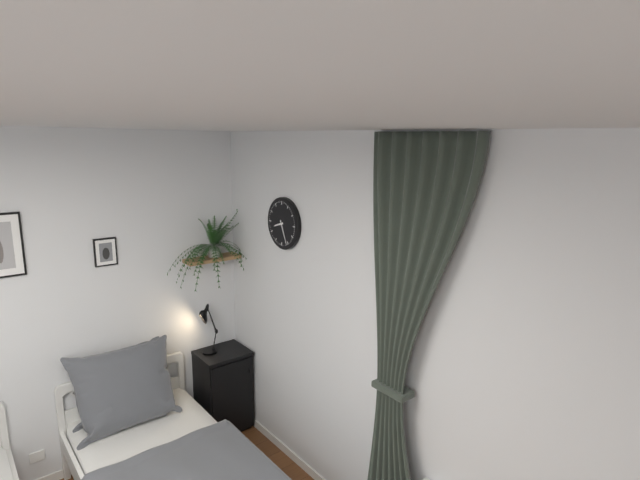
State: 8 h 26 min
